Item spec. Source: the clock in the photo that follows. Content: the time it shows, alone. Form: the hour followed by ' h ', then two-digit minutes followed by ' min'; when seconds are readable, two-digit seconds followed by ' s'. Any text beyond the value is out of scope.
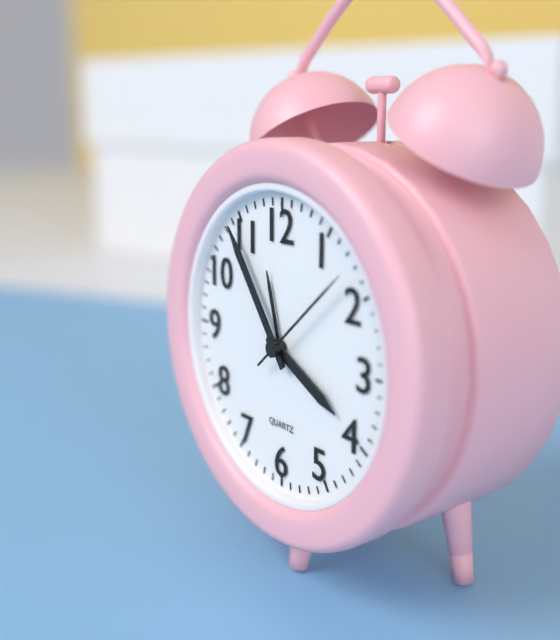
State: 3 h 54 min 08 s
